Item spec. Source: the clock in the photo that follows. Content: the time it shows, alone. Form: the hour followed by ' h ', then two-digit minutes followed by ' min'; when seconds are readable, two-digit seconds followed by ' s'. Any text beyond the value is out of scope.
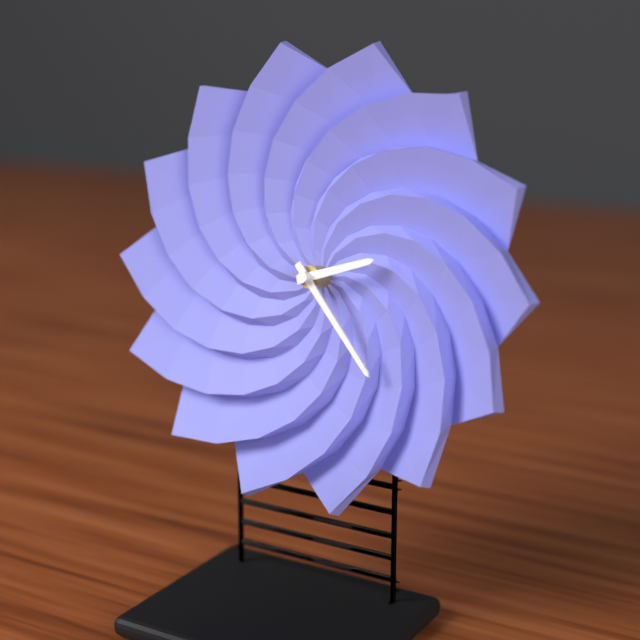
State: 2 h 23 min
